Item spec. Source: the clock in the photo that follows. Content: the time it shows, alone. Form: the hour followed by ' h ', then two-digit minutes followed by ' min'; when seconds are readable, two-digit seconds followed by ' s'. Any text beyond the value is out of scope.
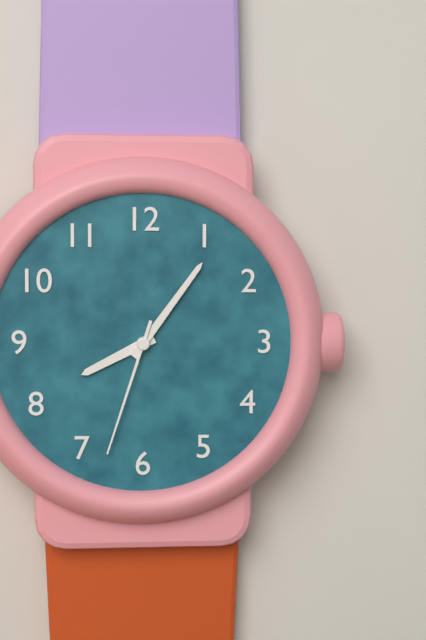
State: 8 h 06 min 33 s
